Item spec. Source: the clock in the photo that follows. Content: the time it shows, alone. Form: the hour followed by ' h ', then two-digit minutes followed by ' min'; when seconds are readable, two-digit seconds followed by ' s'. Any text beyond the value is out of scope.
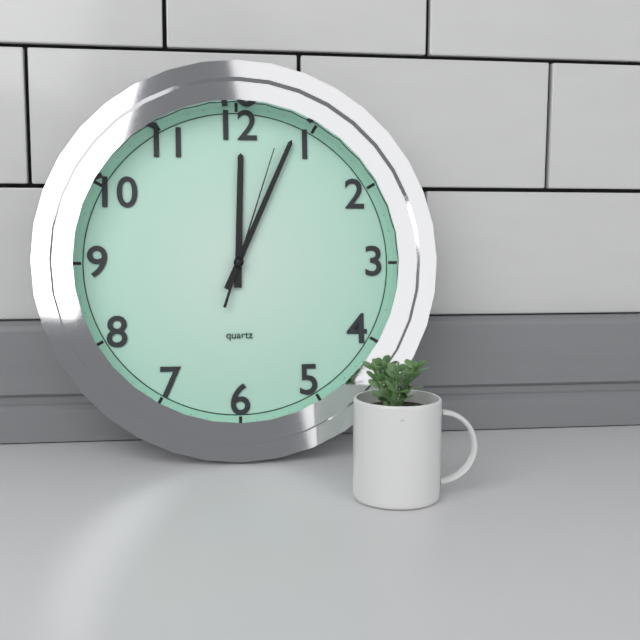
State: 12 h 04 min 03 s
